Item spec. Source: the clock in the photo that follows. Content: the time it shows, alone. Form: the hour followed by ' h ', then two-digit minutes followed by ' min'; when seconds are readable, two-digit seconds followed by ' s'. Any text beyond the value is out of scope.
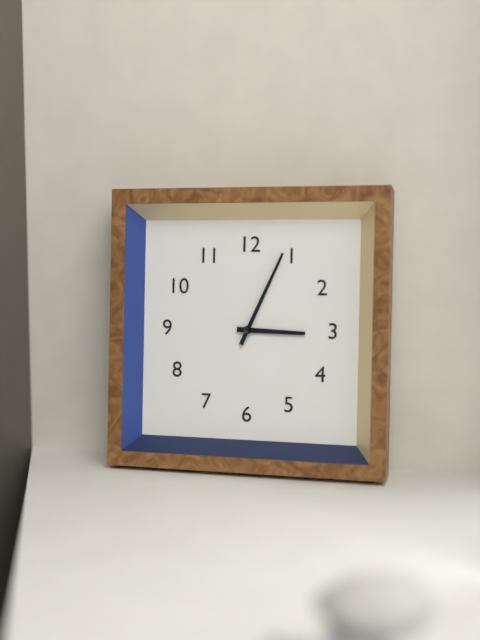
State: 3 h 04 min
